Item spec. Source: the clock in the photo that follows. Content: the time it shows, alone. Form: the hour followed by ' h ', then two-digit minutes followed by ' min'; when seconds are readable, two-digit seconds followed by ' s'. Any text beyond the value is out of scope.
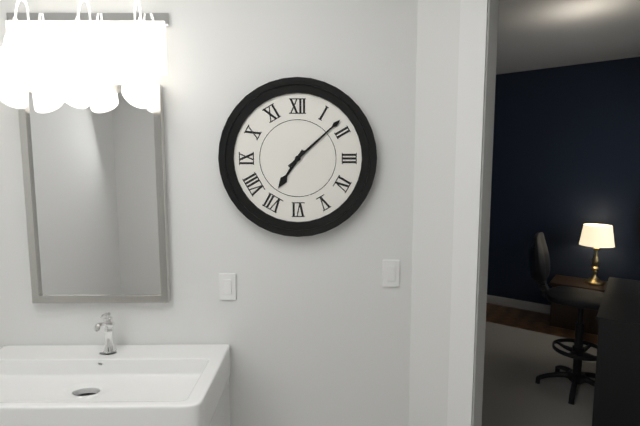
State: 7 h 08 min
